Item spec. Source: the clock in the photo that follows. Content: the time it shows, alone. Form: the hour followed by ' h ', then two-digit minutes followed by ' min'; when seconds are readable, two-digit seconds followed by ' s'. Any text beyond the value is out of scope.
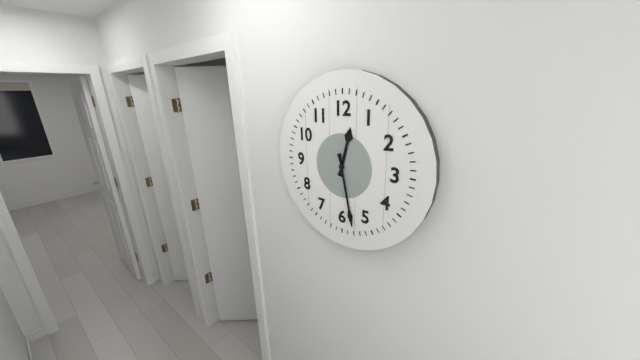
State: 12 h 28 min
